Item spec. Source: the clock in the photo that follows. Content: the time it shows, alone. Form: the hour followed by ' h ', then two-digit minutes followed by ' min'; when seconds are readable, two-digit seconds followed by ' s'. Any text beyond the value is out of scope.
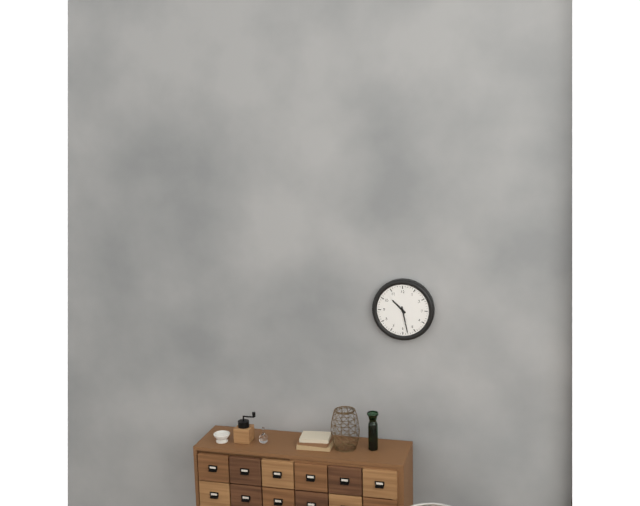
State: 10 h 28 min
